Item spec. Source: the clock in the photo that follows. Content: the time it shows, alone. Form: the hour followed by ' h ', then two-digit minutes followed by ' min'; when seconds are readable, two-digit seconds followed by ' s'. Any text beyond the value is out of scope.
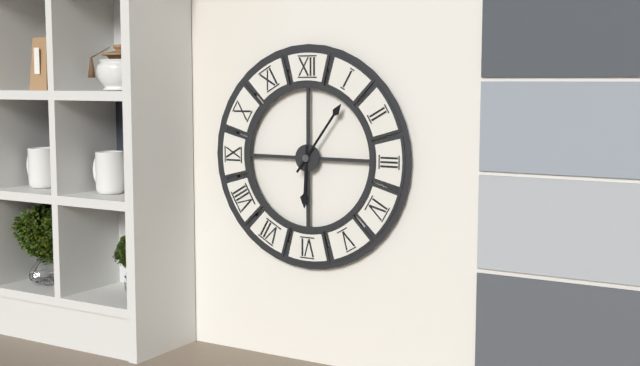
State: 6 h 06 min
